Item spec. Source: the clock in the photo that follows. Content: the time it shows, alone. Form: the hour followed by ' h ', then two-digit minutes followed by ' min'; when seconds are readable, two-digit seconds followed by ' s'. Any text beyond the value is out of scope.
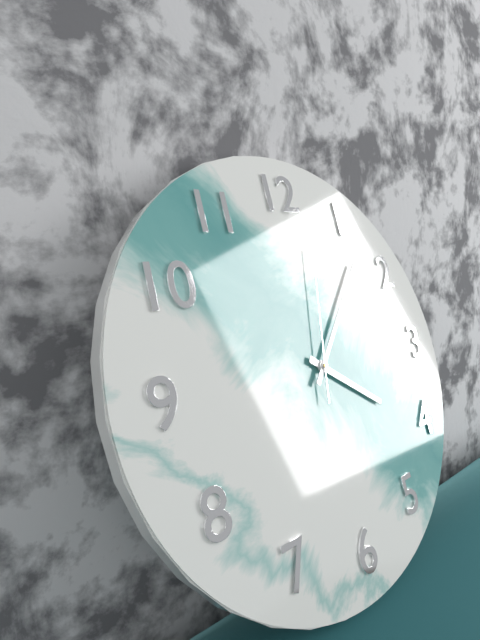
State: 4 h 07 min 02 s
